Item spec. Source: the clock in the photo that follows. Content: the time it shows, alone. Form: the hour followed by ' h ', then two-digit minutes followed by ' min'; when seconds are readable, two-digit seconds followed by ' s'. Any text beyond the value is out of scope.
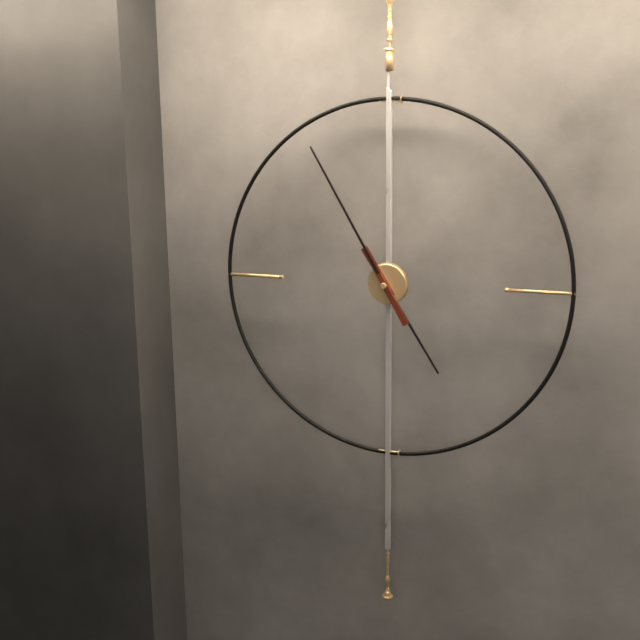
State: 4 h 55 min
